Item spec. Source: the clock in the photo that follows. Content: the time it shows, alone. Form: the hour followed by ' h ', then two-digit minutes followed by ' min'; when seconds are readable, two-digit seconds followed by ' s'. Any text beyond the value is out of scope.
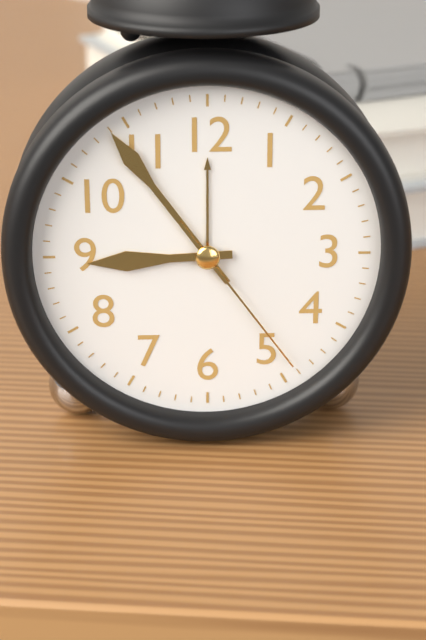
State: 8 h 54 min 24 s
